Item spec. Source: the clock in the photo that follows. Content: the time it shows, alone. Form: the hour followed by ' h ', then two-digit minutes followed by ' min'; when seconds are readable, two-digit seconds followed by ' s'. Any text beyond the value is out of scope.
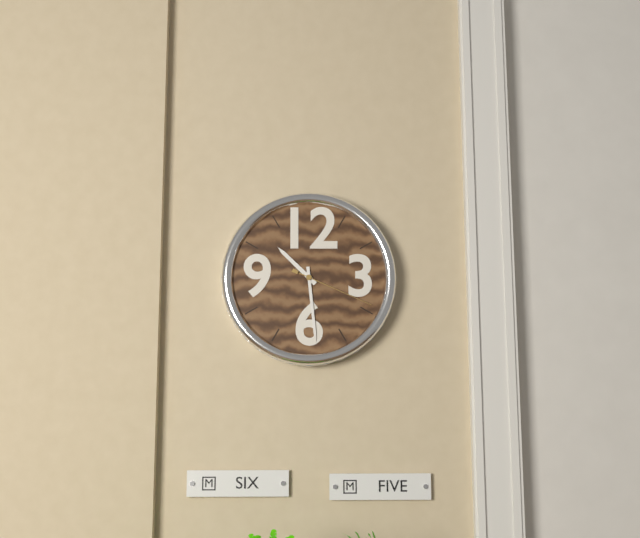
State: 10 h 29 min 19 s
